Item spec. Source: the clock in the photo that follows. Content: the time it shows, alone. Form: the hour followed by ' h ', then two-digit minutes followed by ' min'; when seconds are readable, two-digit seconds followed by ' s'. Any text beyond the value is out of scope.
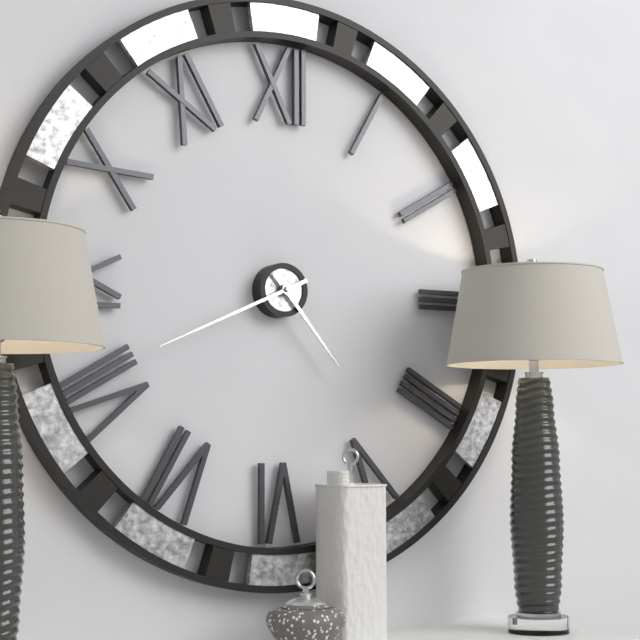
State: 4 h 41 min
